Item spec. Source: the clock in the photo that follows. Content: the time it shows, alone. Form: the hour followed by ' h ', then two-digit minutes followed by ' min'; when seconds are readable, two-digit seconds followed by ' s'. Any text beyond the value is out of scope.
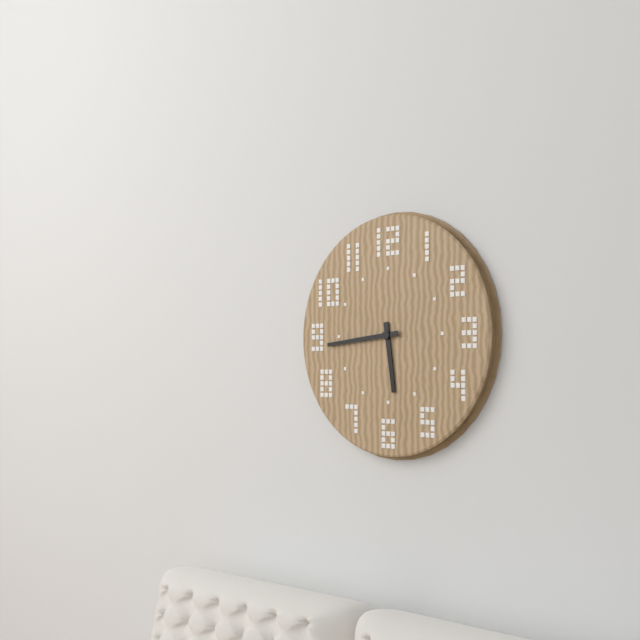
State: 5 h 44 min
